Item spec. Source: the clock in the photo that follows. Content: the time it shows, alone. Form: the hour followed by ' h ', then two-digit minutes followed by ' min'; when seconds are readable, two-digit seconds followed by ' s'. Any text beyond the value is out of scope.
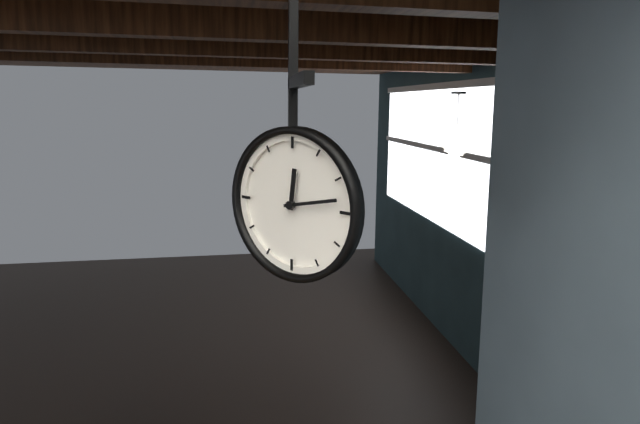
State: 12 h 13 min
